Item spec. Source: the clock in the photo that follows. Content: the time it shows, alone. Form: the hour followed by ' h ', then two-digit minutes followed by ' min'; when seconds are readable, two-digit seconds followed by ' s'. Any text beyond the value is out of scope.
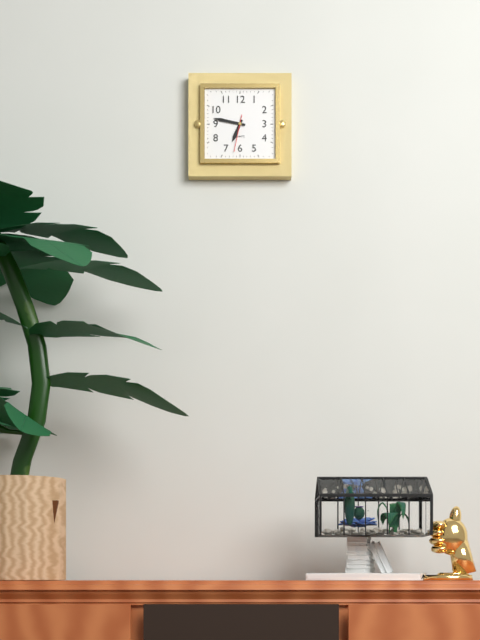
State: 6 h 47 min
